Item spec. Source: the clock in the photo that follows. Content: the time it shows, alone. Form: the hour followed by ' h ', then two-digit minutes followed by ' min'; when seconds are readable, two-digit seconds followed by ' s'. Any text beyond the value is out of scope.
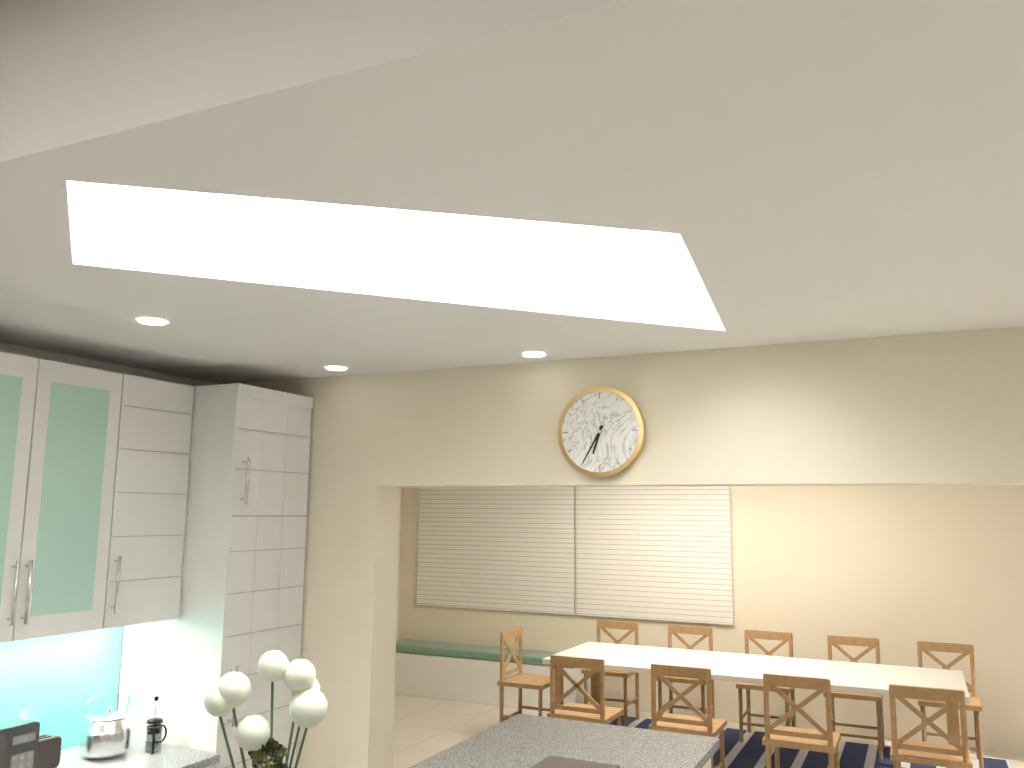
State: 6 h 35 min
